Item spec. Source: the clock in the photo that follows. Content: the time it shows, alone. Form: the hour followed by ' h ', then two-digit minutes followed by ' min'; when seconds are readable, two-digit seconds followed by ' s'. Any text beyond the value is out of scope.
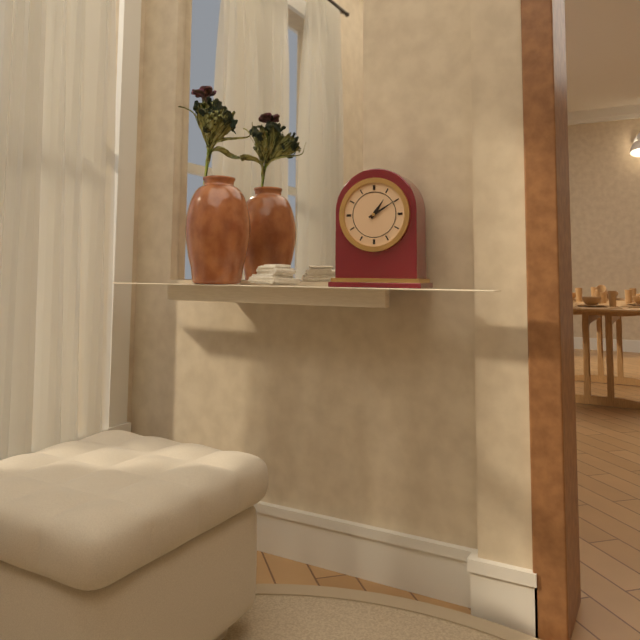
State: 1 h 10 min
